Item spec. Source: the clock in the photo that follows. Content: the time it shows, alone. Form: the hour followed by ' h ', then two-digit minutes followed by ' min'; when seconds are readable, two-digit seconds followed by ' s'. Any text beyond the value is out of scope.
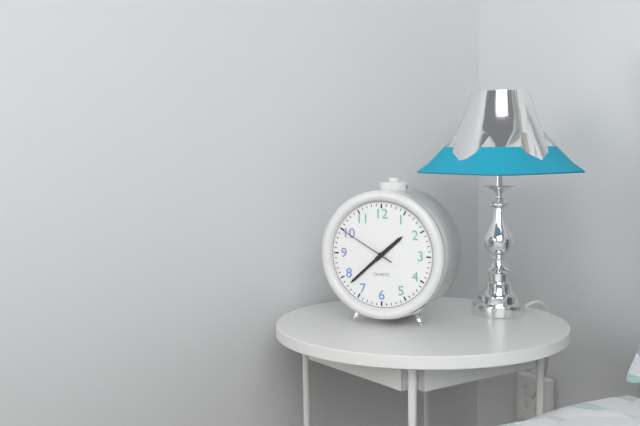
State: 1 h 38 min 50 s
